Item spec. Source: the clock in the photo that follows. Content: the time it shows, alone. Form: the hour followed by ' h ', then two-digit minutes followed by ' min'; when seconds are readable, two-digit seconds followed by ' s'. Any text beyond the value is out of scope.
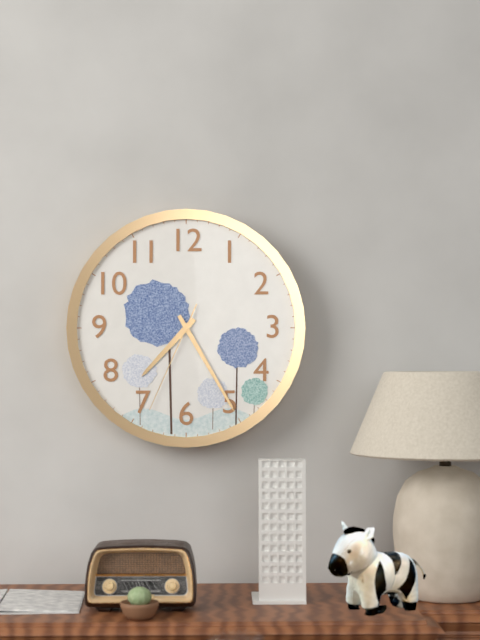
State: 7 h 25 min 34 s
